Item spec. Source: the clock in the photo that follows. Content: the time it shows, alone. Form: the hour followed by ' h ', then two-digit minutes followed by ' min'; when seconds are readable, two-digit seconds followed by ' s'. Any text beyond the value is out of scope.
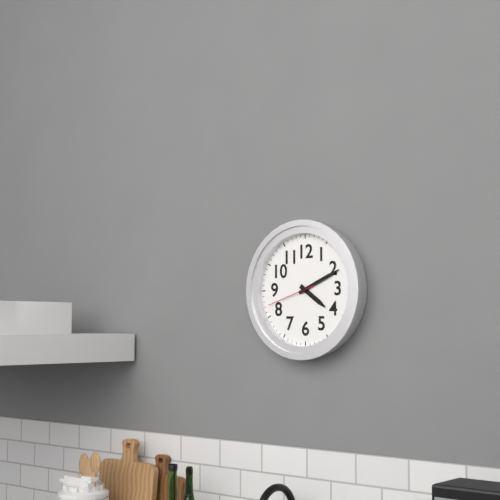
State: 4 h 11 min 42 s
